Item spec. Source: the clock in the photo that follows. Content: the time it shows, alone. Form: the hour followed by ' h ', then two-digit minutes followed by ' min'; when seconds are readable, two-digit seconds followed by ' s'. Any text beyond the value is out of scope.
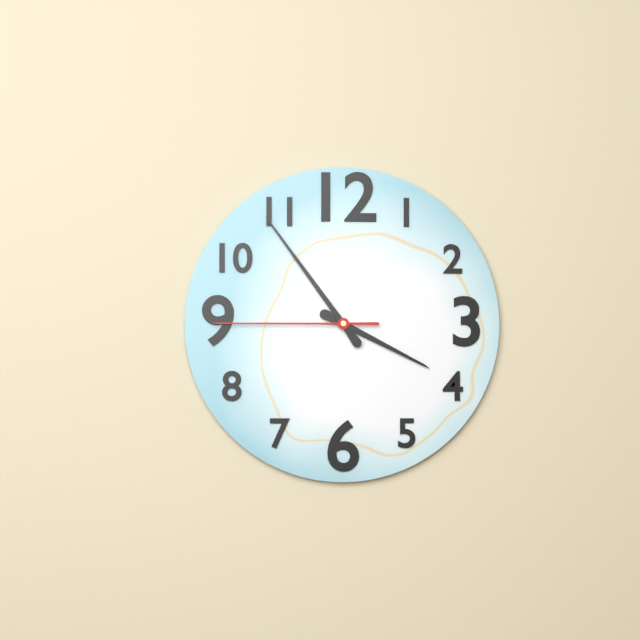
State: 3 h 54 min 45 s
